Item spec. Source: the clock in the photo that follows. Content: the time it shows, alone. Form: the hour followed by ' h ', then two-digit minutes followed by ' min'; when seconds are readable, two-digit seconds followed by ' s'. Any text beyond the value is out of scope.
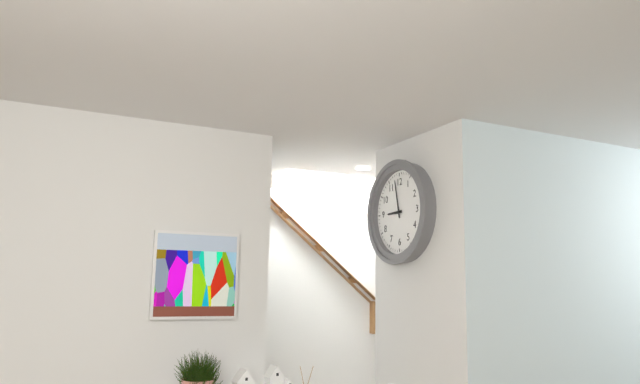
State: 8 h 58 min
